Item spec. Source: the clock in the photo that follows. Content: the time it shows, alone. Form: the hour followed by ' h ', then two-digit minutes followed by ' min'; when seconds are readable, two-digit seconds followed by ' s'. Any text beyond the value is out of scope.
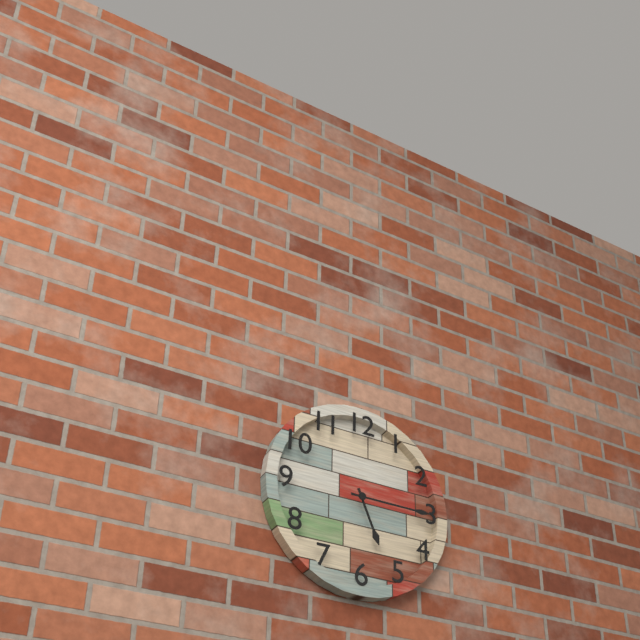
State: 5 h 15 min
